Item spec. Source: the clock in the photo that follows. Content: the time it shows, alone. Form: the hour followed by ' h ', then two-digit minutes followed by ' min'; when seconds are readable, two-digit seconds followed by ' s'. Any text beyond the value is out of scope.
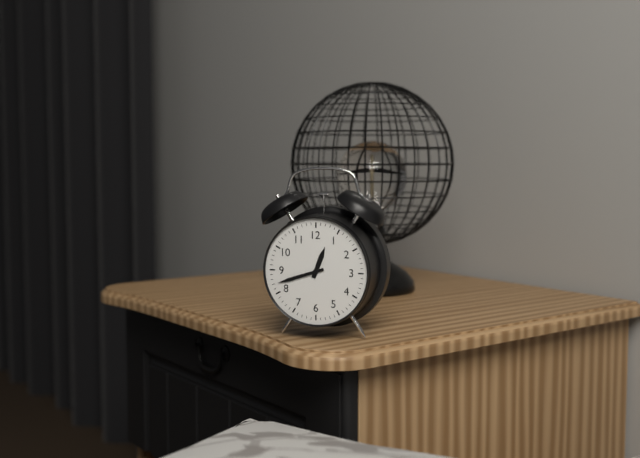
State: 12 h 42 min
